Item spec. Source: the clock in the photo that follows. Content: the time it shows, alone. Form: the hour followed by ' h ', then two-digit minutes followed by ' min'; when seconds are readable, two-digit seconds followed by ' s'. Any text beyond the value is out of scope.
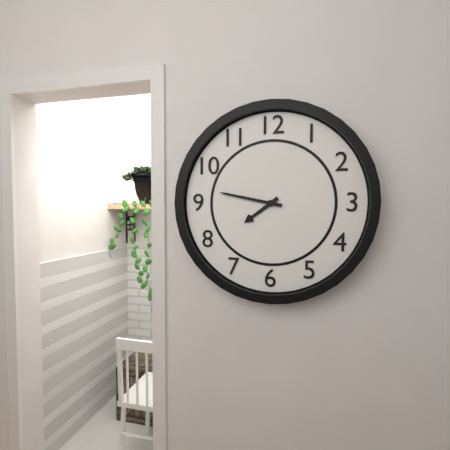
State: 7 h 47 min
